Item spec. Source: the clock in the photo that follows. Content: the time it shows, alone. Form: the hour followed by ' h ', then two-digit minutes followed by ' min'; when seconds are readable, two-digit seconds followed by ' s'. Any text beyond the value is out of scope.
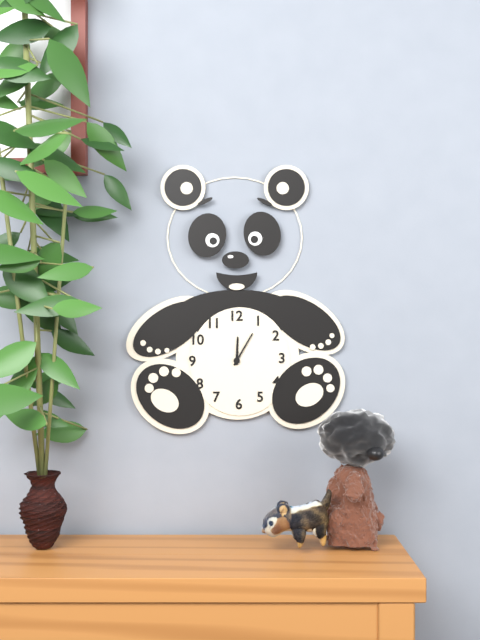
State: 12 h 05 min
